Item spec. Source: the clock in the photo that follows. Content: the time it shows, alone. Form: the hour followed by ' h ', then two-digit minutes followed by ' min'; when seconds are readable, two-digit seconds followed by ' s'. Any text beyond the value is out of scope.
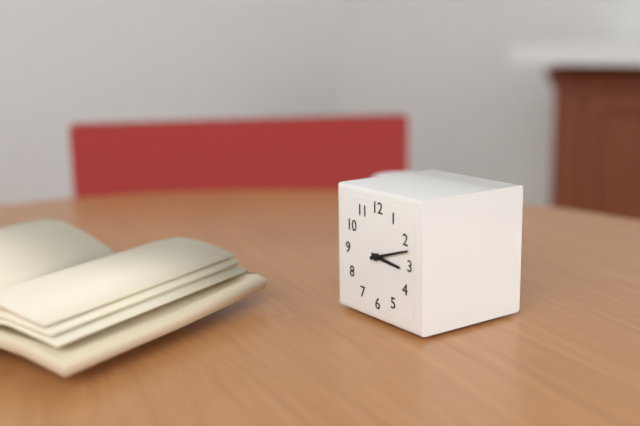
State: 3 h 12 min
